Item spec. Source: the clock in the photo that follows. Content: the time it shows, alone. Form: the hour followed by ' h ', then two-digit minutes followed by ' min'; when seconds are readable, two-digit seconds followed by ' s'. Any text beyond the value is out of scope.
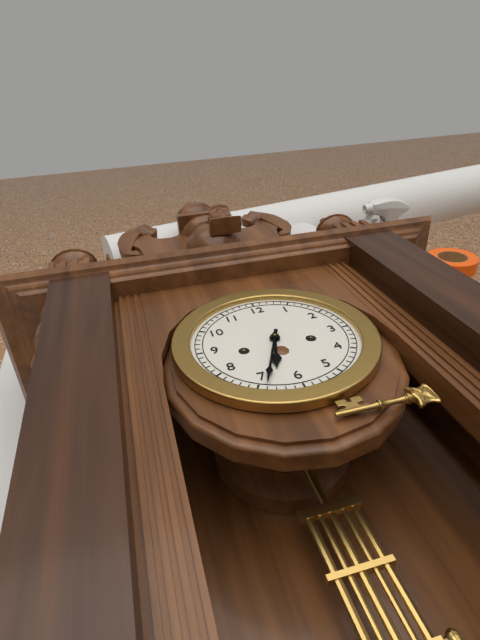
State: 6 h 34 min
